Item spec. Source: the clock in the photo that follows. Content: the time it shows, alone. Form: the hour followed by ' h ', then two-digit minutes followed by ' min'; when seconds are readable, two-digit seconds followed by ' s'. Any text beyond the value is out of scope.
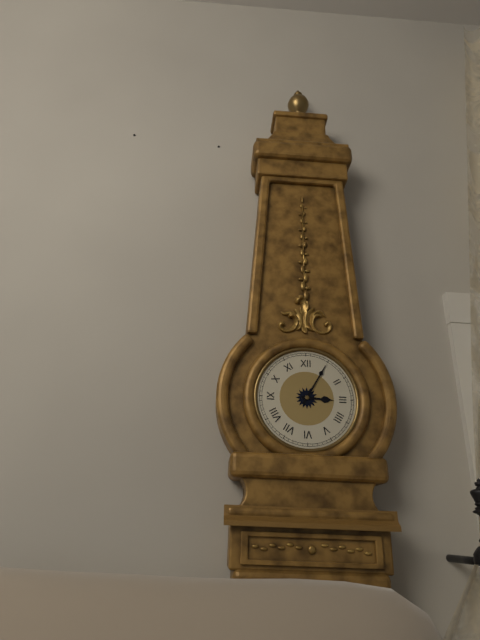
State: 3 h 05 min
